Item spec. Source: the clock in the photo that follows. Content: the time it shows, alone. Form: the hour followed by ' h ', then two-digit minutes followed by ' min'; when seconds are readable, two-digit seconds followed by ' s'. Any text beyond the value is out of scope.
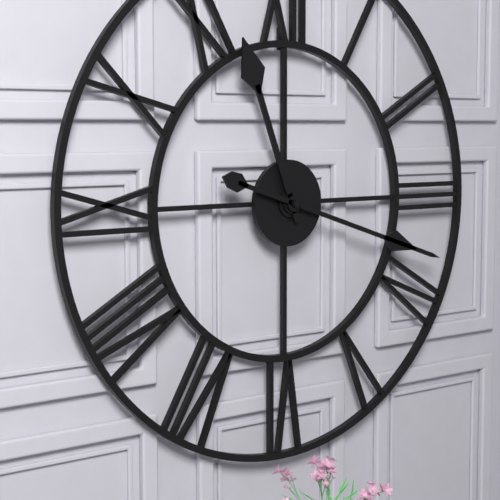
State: 11 h 18 min
